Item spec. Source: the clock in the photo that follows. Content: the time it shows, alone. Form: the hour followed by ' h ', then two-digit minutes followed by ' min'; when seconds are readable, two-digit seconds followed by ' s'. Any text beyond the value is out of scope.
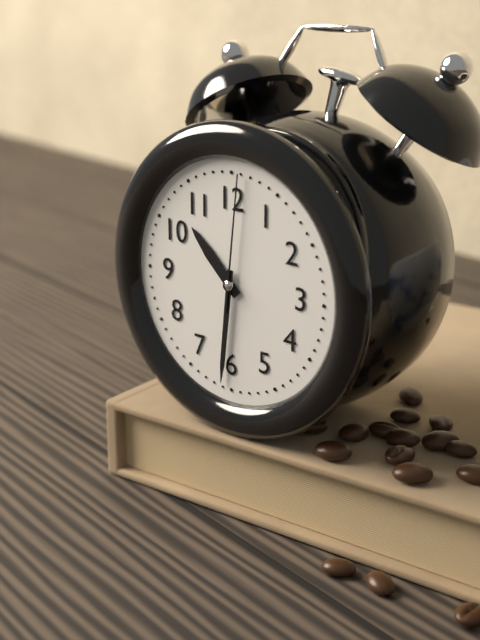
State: 10 h 31 min 01 s
